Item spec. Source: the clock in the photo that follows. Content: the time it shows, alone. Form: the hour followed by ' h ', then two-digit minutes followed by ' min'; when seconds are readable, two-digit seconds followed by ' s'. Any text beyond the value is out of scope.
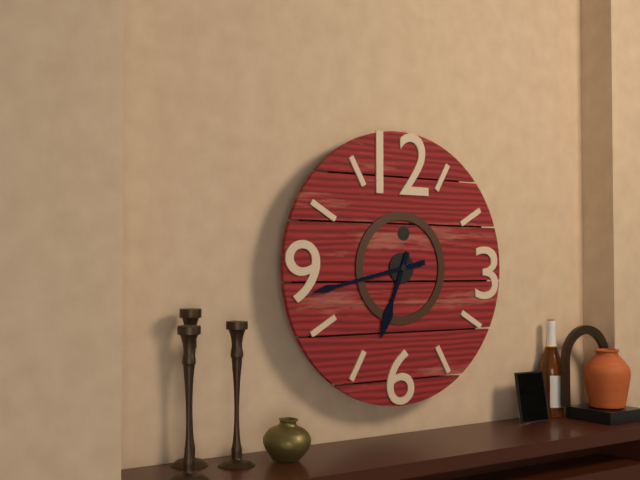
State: 6 h 43 min
